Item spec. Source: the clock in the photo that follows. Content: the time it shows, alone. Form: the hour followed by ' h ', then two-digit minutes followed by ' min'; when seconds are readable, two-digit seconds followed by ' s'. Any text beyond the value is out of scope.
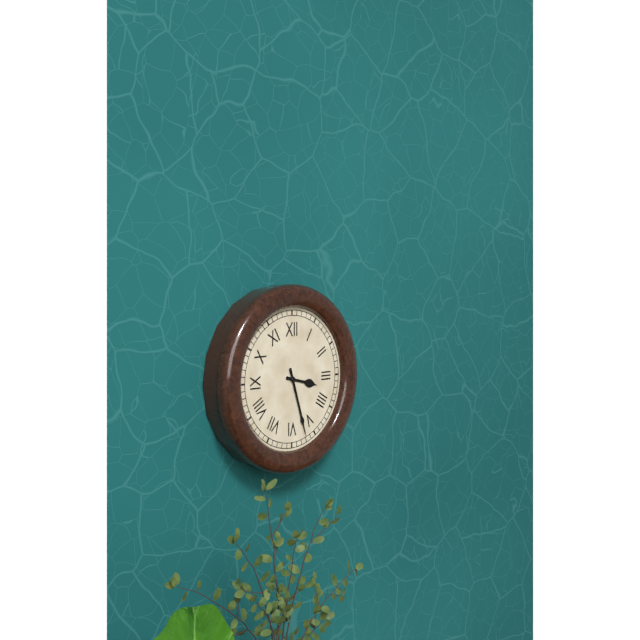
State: 3 h 27 min
